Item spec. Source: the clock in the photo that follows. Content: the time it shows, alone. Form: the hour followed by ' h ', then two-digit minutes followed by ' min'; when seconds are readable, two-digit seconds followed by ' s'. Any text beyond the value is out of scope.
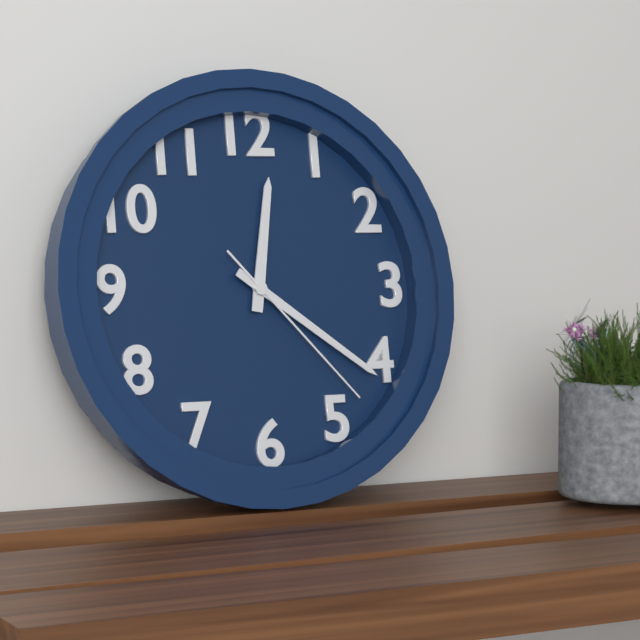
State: 12 h 21 min 23 s
